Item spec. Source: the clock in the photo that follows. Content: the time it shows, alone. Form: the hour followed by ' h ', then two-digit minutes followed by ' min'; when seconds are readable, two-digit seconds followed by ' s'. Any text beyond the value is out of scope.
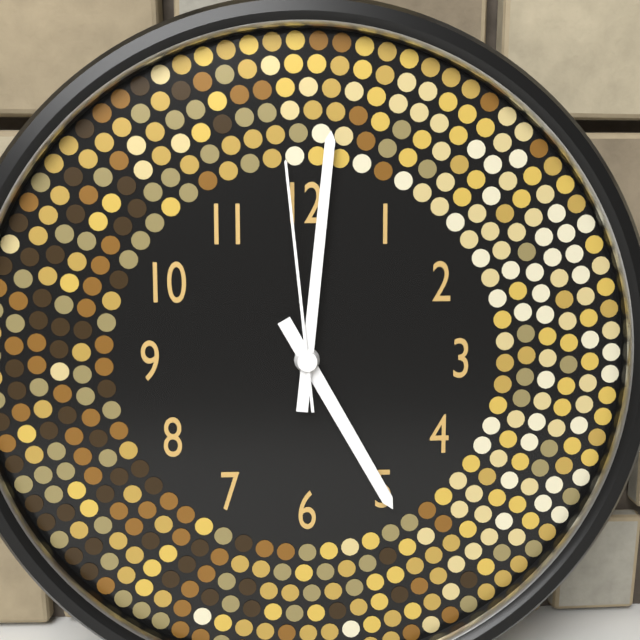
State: 5 h 01 min 59 s
